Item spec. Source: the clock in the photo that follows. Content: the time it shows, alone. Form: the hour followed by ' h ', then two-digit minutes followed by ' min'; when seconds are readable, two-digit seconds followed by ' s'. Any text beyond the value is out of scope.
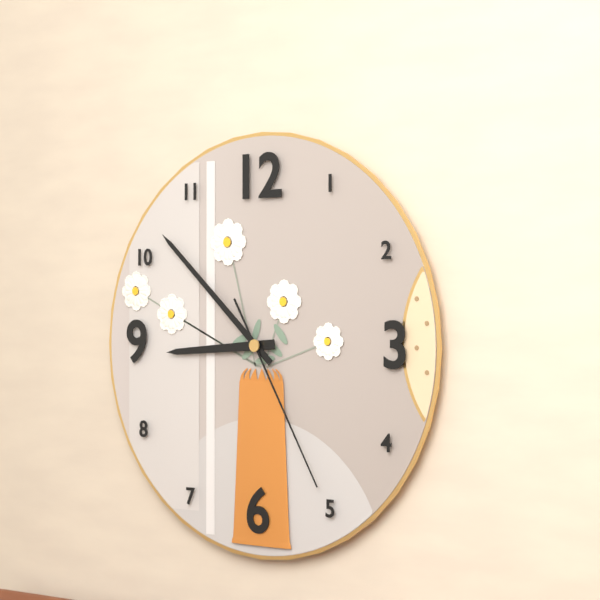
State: 8 h 52 min 25 s
